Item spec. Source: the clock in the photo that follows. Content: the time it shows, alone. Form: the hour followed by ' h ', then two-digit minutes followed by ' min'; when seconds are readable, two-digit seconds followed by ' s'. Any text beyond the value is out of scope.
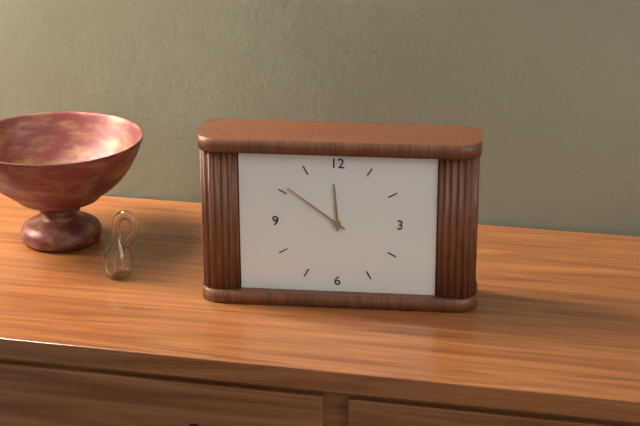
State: 11 h 51 min
